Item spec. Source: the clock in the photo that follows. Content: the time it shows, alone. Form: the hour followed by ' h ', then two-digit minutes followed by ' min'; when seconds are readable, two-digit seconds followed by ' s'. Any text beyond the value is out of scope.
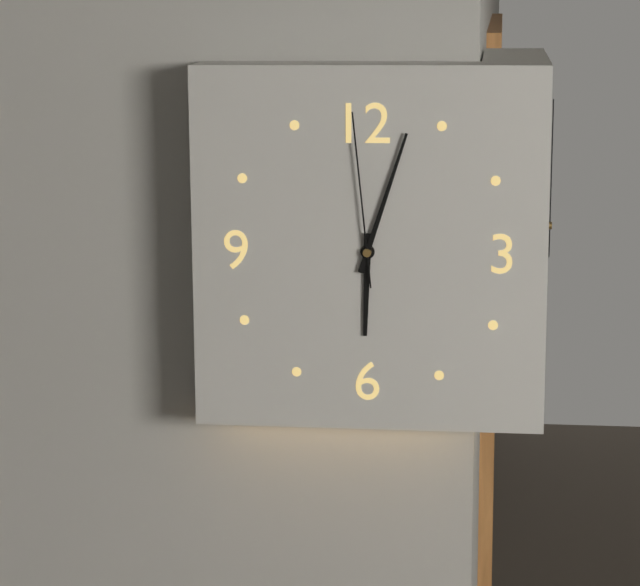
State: 6 h 03 min 59 s
